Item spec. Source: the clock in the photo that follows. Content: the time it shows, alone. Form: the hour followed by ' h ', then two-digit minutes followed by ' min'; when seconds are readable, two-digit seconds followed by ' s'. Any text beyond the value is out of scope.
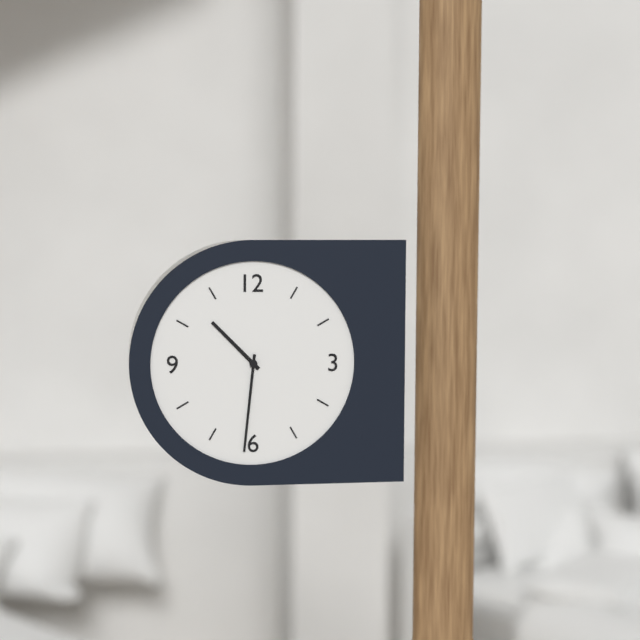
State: 10 h 31 min
